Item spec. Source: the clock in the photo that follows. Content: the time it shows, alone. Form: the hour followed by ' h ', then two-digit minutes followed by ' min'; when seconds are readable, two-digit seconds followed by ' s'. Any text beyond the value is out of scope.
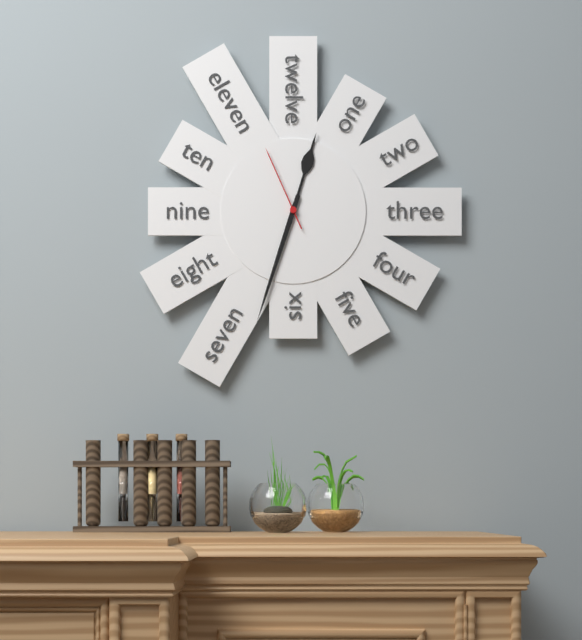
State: 12 h 33 min 56 s
